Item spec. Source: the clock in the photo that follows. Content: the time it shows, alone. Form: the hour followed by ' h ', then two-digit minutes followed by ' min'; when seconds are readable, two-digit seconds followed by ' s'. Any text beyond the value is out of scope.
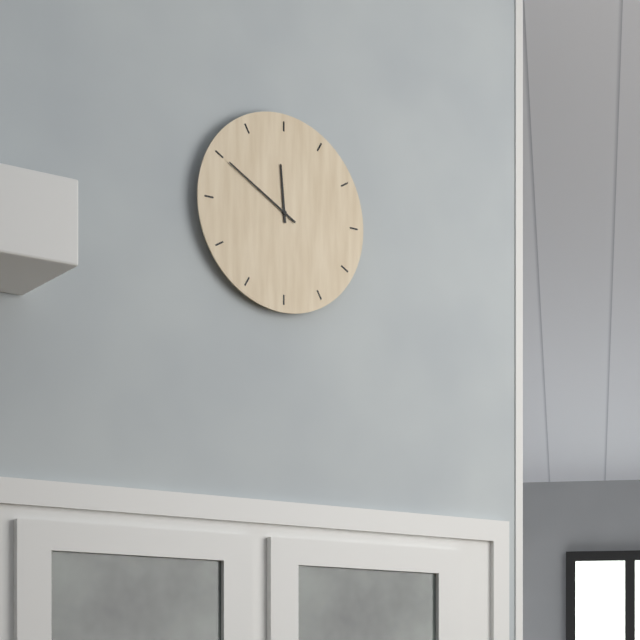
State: 11 h 50 min
